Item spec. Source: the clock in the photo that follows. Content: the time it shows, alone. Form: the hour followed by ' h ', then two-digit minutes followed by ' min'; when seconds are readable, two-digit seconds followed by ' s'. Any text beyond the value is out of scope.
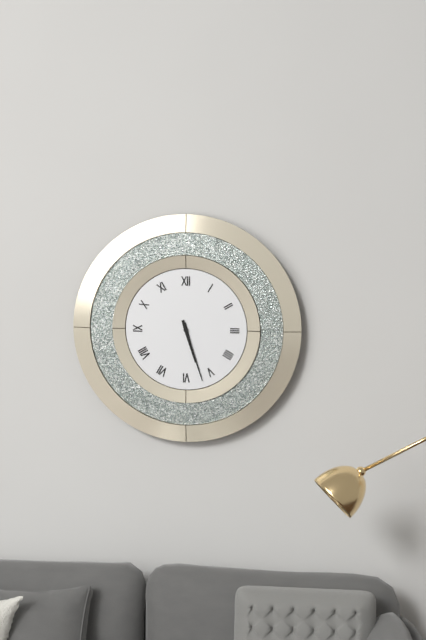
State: 5 h 27 min
